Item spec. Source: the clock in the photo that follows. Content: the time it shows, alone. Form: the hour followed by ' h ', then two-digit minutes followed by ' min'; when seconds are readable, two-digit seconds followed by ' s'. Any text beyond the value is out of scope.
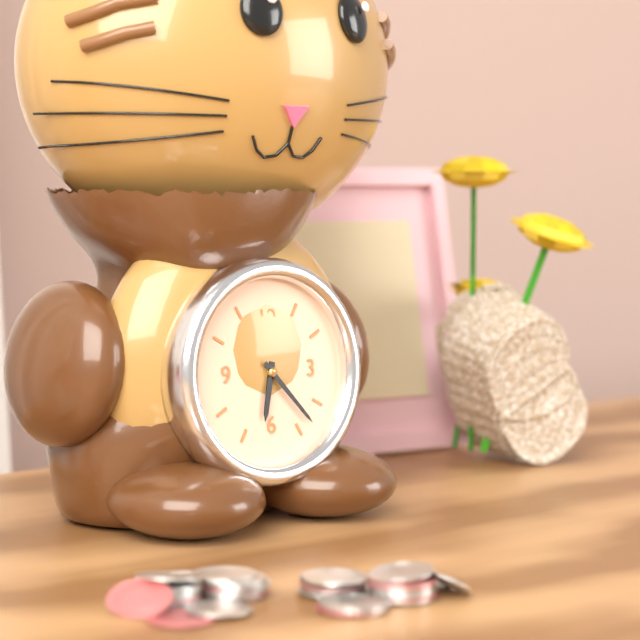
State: 6 h 23 min
